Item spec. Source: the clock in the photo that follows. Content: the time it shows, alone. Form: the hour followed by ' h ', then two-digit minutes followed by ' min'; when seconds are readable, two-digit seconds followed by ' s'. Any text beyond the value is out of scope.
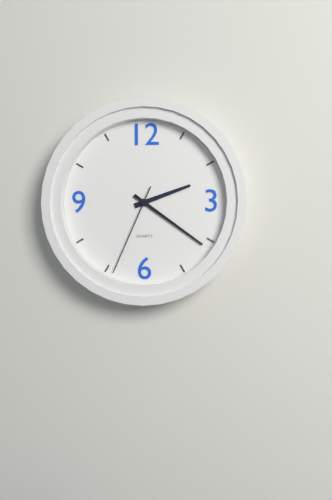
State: 2 h 21 min 34 s
